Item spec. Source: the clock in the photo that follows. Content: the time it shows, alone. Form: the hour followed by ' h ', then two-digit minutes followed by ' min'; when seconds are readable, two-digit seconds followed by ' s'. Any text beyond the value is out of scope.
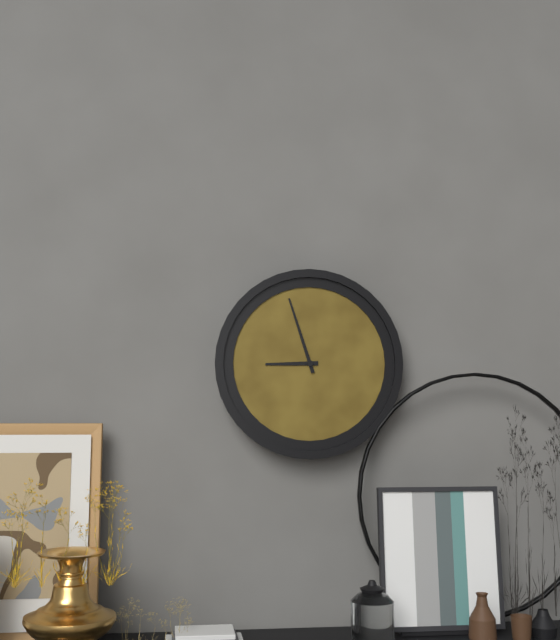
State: 8 h 57 min
